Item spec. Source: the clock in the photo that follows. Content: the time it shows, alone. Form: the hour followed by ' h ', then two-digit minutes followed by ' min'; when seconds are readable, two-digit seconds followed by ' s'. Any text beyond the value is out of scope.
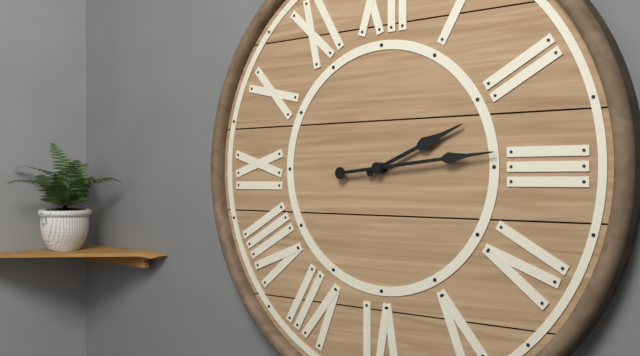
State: 2 h 14 min
